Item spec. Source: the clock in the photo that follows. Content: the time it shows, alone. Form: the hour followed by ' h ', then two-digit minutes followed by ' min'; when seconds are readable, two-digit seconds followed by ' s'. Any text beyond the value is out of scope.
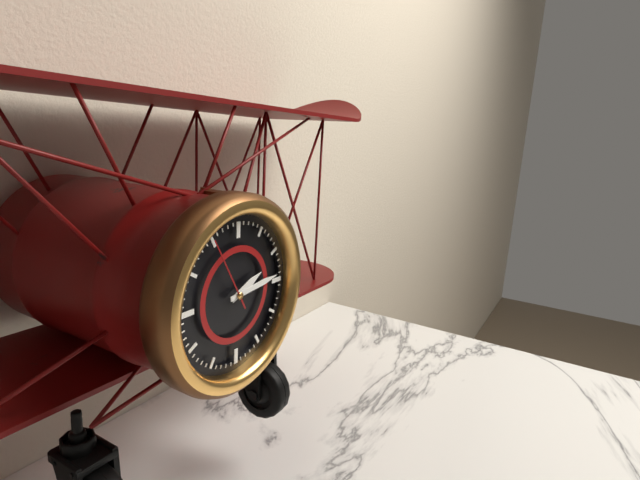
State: 2 h 14 min 55 s
